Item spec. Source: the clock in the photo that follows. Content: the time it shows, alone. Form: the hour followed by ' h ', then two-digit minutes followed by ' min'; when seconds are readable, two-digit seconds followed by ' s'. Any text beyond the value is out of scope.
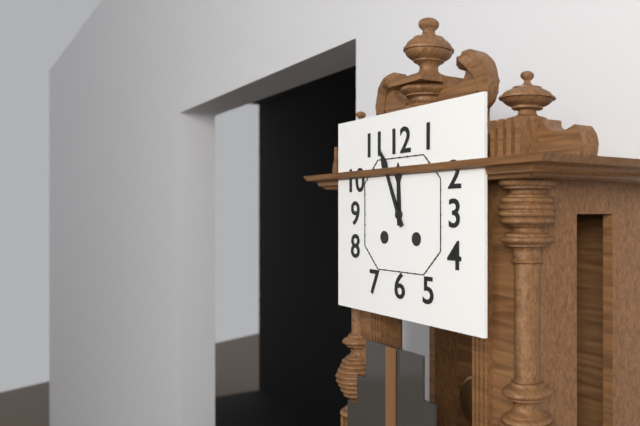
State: 11 h 56 min
